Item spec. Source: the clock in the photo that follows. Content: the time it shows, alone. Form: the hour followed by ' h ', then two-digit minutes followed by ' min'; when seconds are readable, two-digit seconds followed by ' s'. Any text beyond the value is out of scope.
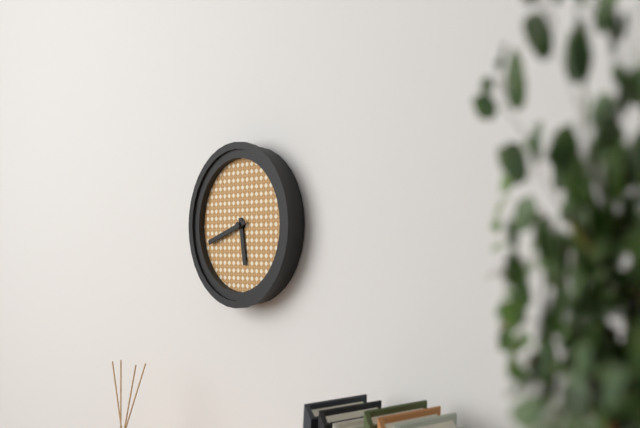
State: 5 h 42 min
